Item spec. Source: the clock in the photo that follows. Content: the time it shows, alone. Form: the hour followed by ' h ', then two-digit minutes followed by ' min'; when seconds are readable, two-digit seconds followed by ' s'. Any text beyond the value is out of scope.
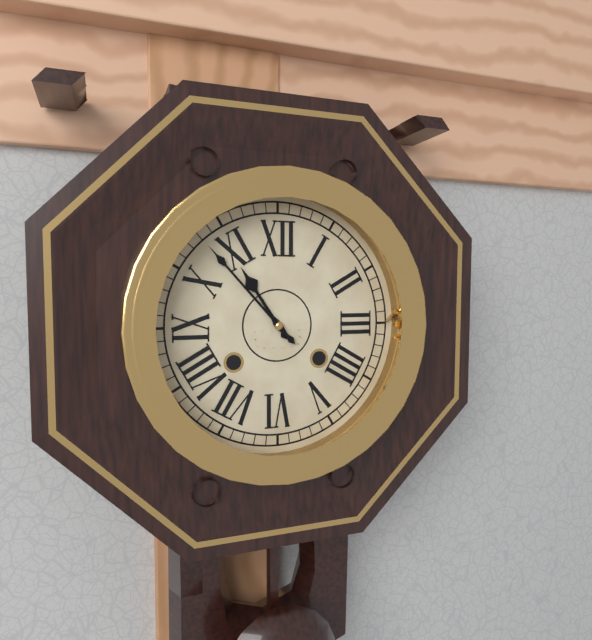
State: 10 h 53 min
